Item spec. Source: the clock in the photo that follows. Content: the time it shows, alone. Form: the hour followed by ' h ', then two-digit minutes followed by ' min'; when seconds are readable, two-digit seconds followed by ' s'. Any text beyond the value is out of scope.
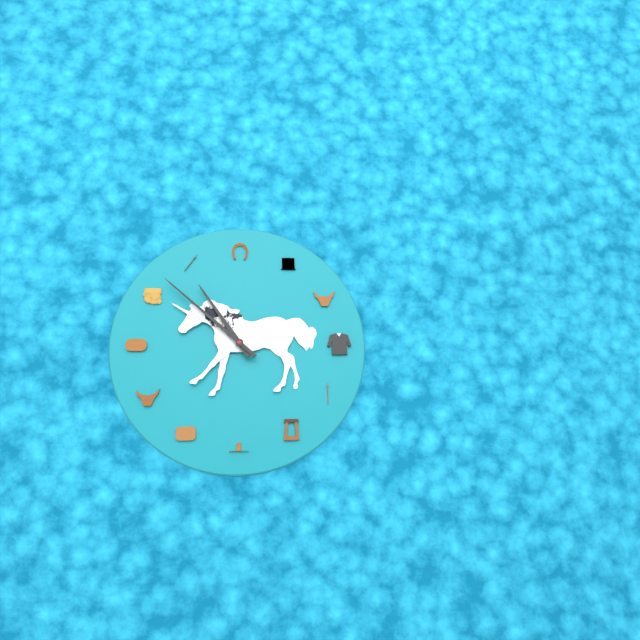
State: 10 h 52 min
